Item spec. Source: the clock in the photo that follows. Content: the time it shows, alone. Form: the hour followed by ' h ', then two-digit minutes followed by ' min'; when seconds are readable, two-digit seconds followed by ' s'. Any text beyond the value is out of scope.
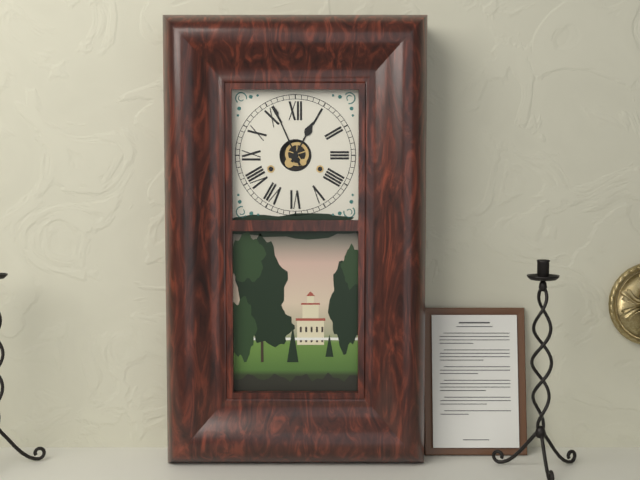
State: 12 h 56 min
